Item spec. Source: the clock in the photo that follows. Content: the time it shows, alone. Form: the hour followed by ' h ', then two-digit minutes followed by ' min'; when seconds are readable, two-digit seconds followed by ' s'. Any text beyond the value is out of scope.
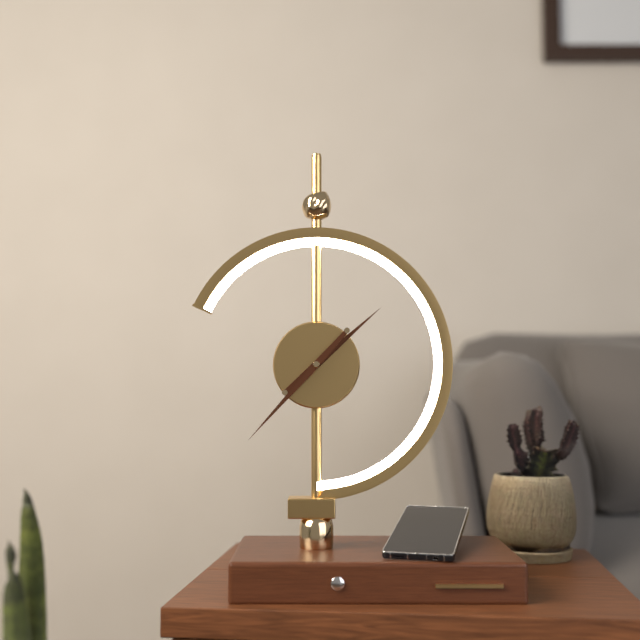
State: 1 h 37 min
